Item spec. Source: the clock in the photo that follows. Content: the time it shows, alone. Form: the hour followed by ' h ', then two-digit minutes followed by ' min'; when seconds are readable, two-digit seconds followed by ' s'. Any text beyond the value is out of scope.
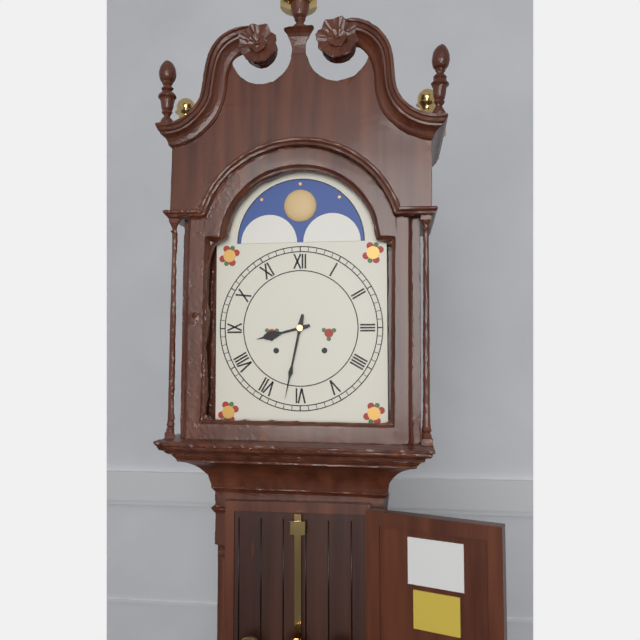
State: 8 h 32 min
